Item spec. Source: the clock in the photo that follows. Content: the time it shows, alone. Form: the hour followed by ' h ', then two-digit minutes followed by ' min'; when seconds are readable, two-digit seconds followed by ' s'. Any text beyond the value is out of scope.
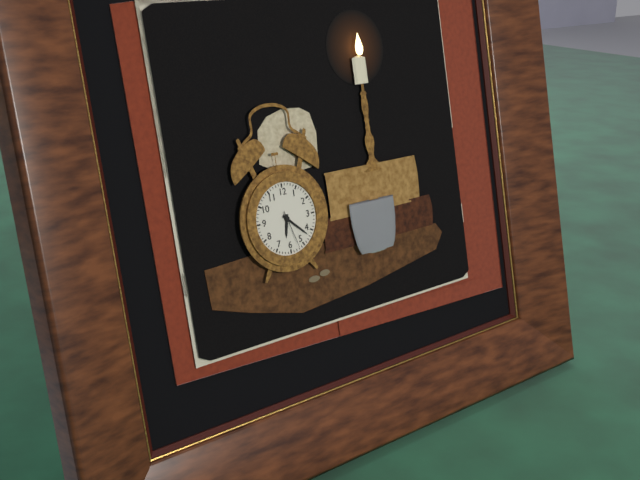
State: 6 h 22 min
